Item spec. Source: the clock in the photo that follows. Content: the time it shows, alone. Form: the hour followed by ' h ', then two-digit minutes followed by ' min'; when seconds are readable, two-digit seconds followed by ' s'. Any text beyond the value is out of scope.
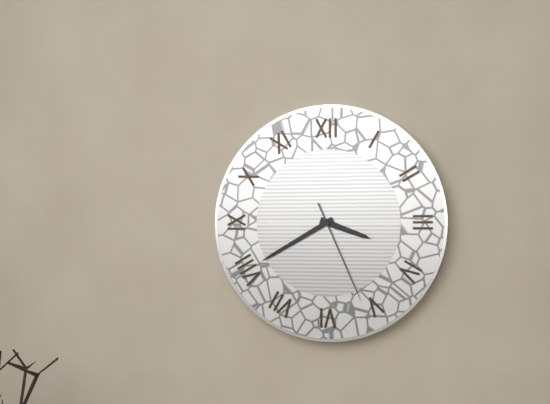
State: 3 h 40 min 26 s
